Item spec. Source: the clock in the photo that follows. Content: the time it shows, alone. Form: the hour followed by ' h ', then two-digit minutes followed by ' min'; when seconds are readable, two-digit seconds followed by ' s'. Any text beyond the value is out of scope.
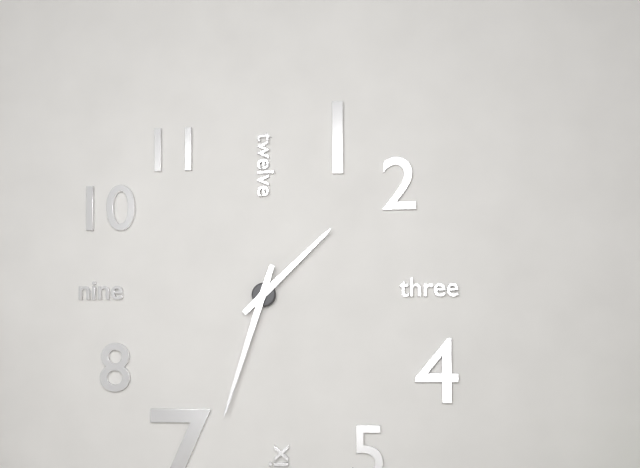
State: 1 h 33 min
